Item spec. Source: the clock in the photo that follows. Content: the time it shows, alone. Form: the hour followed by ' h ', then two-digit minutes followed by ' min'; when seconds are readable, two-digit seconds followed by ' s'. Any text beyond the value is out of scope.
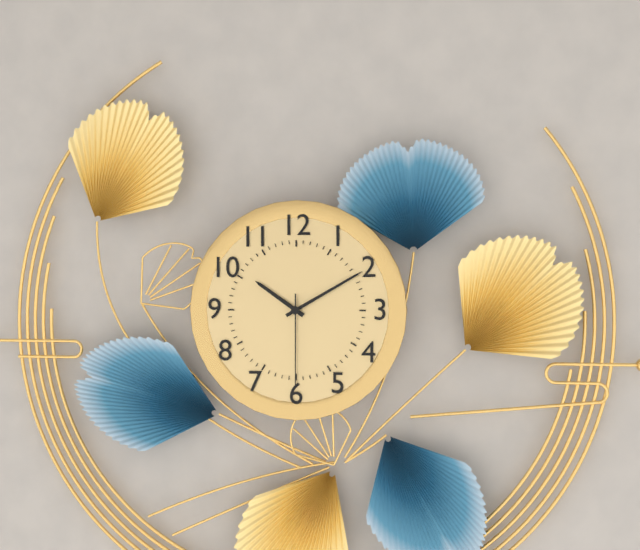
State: 10 h 10 min 30 s
